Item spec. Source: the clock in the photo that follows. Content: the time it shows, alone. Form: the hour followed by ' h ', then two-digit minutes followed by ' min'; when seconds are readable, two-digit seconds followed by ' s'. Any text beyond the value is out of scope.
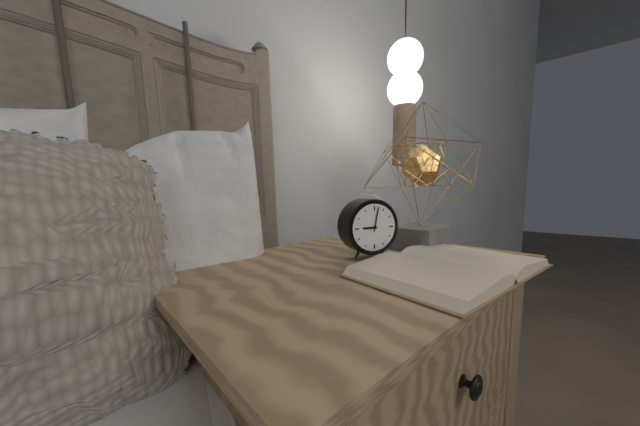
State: 9 h 02 min
